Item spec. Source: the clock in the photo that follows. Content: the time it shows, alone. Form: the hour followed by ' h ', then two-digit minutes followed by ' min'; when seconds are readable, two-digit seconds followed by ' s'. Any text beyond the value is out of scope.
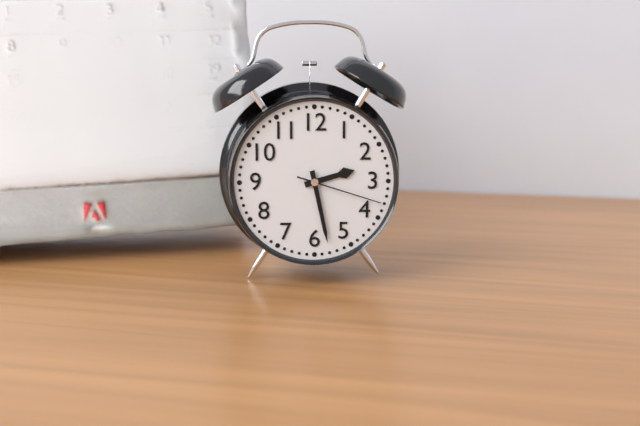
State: 2 h 28 min 18 s
